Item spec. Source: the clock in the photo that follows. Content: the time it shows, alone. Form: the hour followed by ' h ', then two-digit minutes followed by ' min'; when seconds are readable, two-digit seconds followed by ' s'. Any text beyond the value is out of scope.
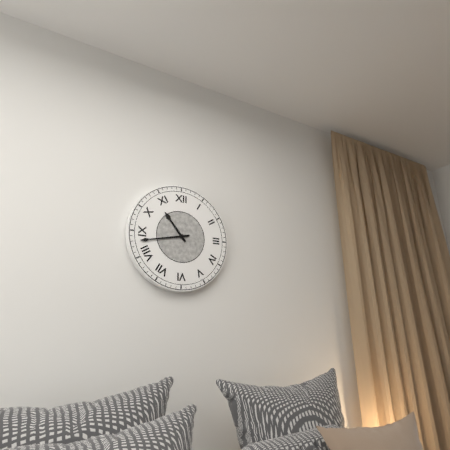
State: 10 h 43 min
